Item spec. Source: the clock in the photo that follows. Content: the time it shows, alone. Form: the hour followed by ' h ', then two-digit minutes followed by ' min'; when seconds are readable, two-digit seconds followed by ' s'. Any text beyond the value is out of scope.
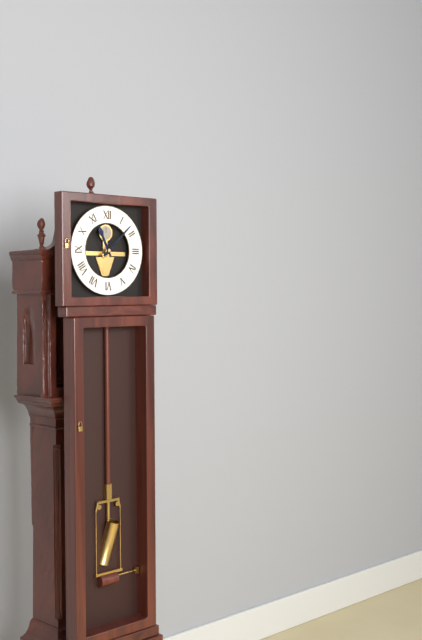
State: 11 h 08 min
